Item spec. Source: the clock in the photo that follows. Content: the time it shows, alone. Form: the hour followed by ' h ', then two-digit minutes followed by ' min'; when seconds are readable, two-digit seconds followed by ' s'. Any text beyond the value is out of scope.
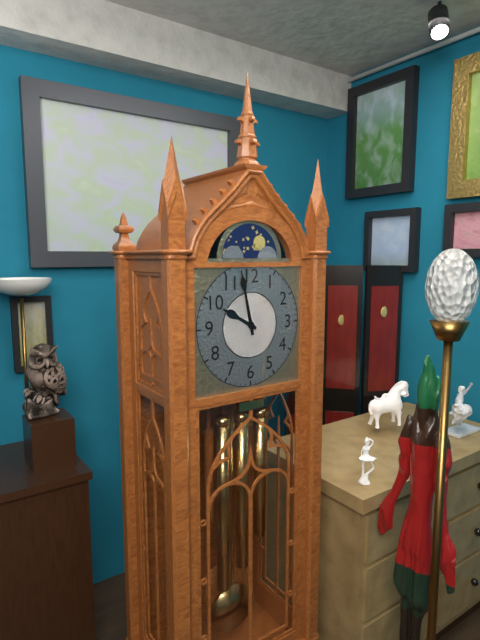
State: 9 h 58 min
